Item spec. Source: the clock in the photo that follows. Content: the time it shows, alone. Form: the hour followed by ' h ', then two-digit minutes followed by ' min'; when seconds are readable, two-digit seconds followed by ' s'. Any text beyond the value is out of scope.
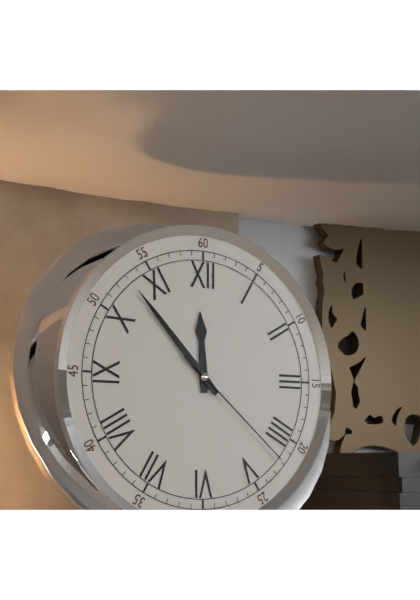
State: 11 h 53 min 22 s
